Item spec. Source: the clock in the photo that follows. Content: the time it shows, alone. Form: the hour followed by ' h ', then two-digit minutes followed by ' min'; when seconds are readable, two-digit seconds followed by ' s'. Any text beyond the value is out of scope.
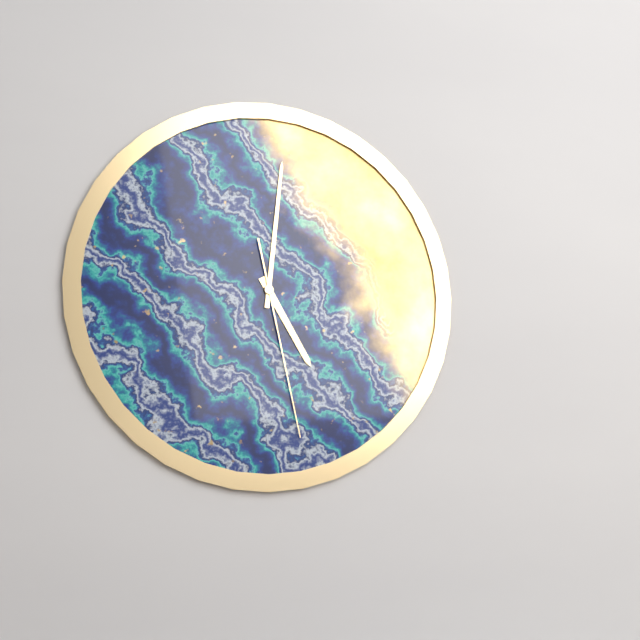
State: 5 h 01 min 28 s
